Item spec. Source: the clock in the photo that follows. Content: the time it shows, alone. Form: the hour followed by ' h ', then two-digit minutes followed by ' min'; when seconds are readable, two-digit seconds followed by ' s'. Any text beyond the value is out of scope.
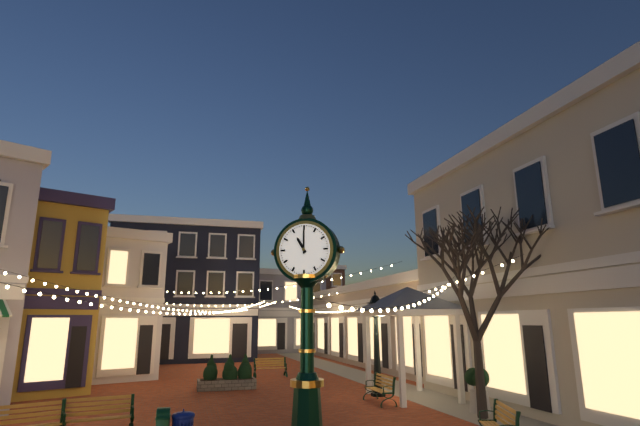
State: 11 h 00 min
